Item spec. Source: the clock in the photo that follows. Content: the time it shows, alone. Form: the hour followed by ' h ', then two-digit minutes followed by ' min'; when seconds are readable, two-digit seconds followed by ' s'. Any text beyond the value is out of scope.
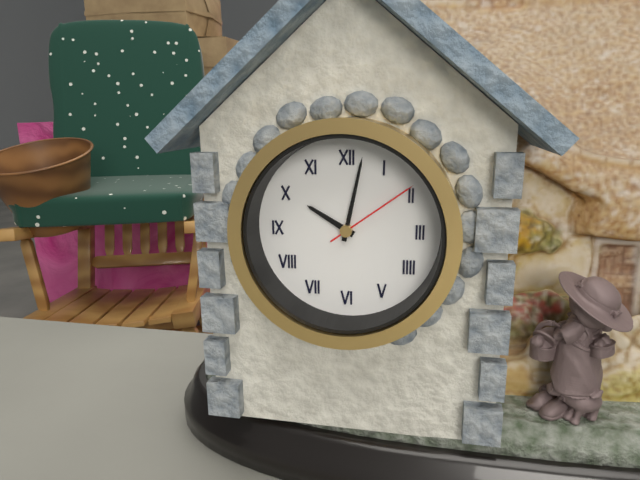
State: 10 h 02 min 09 s
